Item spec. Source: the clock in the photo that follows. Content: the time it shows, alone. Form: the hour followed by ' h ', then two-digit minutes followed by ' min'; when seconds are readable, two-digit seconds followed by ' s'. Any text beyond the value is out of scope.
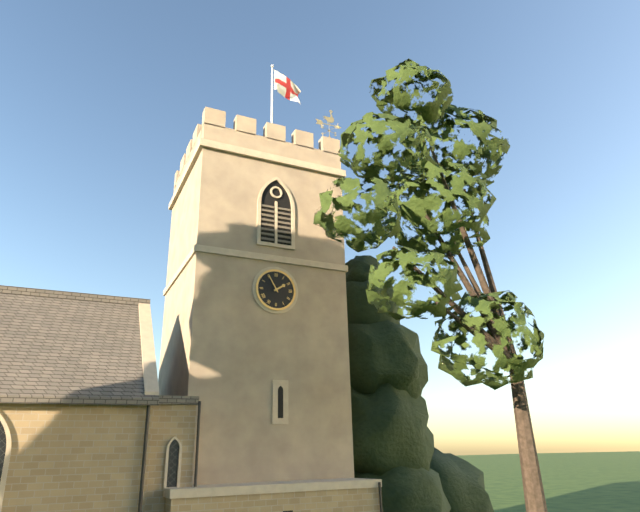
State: 1 h 55 min
